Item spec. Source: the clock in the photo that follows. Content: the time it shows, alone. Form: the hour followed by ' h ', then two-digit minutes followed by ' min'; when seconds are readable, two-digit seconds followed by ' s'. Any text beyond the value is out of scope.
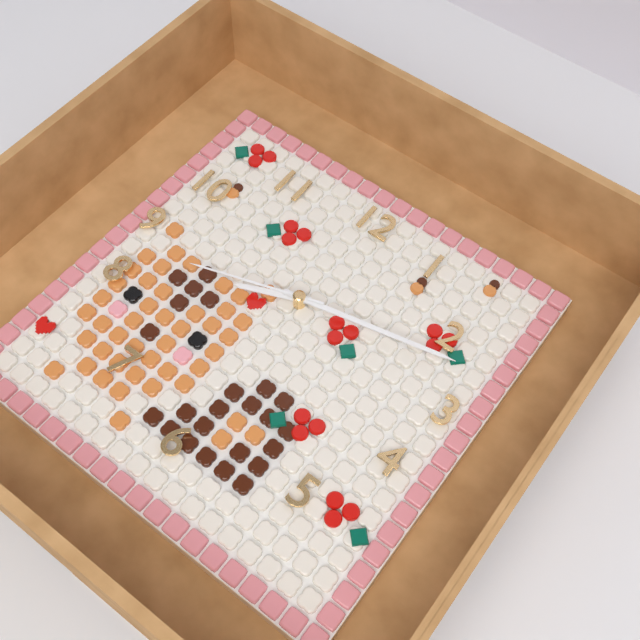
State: 8 h 13 min 42 s
